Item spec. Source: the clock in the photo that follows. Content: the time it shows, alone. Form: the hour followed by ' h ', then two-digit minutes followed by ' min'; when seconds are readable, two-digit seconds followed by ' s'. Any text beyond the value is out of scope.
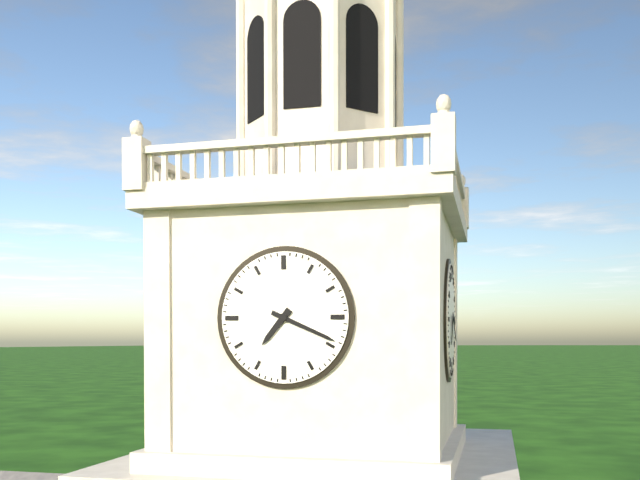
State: 7 h 19 min
